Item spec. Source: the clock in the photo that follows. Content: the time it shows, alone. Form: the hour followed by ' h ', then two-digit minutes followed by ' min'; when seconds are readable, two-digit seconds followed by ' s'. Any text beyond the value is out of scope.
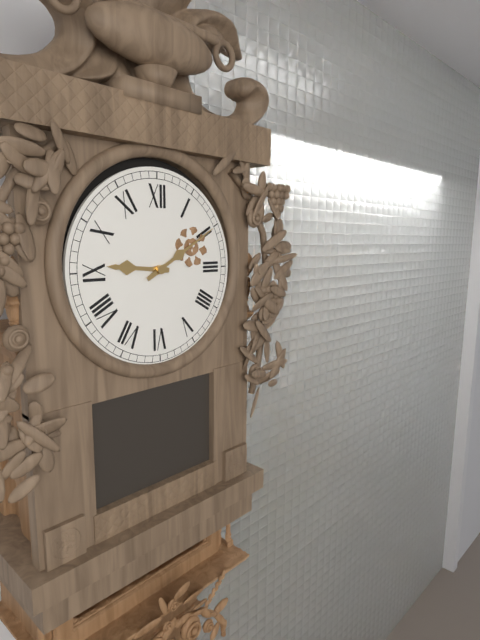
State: 9 h 10 min
